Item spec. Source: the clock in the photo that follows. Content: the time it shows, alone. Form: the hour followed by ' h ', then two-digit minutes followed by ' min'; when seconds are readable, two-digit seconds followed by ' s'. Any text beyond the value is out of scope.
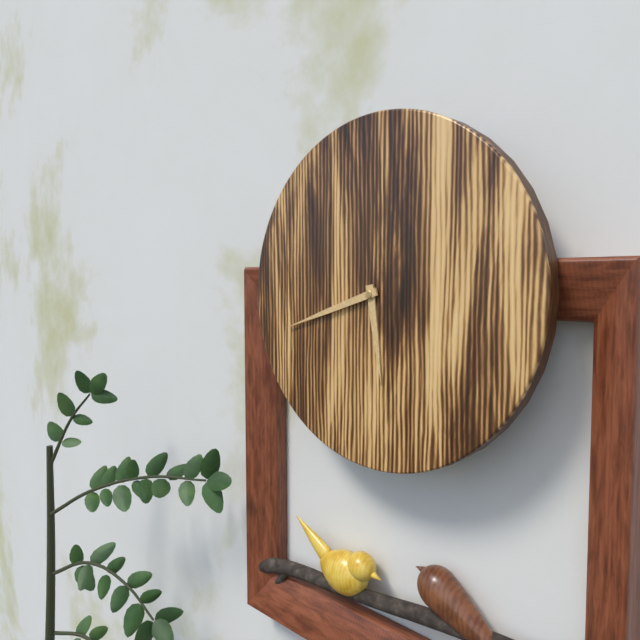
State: 5 h 42 min
